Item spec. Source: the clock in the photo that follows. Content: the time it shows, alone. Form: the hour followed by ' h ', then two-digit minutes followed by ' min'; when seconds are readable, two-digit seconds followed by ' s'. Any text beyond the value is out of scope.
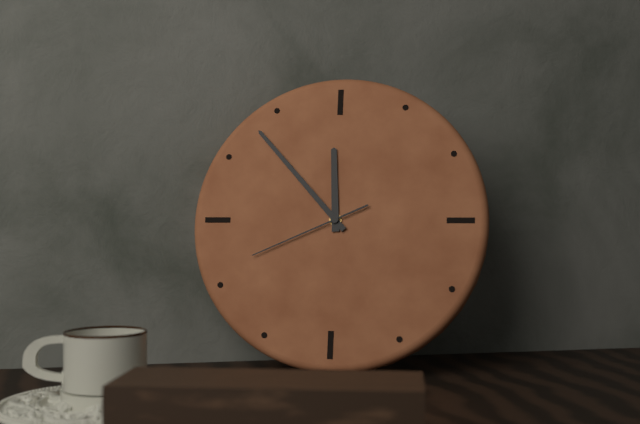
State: 11 h 53 min 41 s
